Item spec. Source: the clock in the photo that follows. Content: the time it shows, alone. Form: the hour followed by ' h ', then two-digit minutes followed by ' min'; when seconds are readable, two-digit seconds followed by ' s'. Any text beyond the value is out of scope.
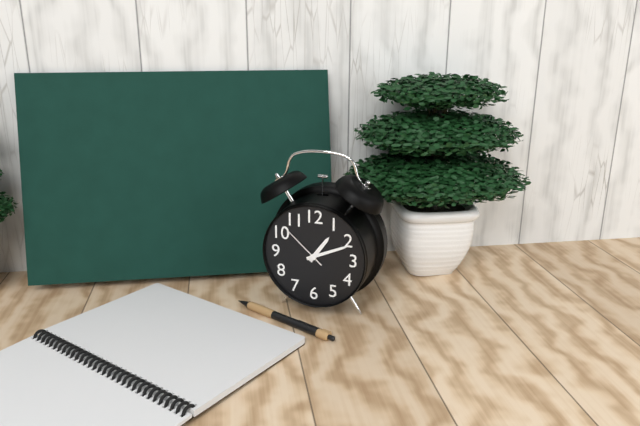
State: 1 h 11 min 52 s
